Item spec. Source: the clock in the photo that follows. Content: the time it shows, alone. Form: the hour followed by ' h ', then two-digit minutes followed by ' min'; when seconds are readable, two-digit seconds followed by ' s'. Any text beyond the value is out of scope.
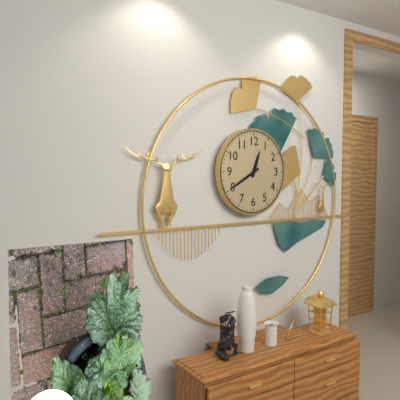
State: 12 h 40 min
